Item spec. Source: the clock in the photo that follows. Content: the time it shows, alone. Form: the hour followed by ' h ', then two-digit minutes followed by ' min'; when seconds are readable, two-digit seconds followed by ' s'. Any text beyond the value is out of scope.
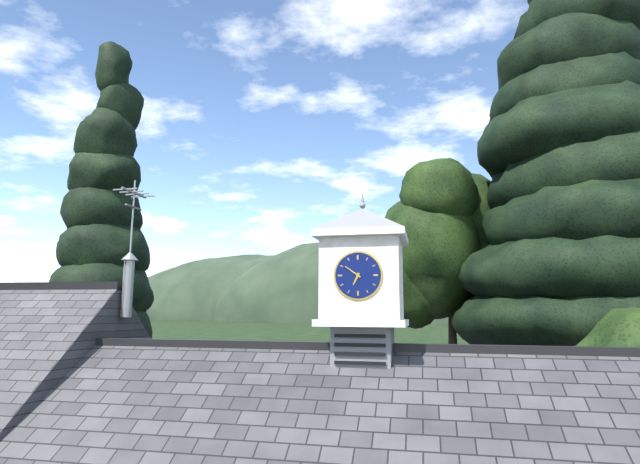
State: 6 h 51 min
